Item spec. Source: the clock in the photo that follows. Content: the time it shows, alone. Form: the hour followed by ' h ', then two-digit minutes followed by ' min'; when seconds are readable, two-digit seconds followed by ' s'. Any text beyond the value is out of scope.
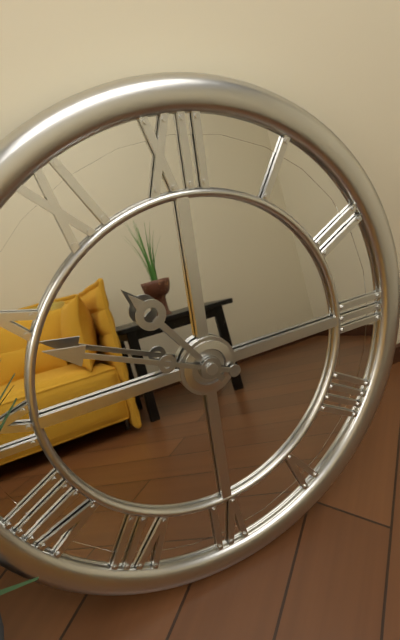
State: 10 h 49 min
